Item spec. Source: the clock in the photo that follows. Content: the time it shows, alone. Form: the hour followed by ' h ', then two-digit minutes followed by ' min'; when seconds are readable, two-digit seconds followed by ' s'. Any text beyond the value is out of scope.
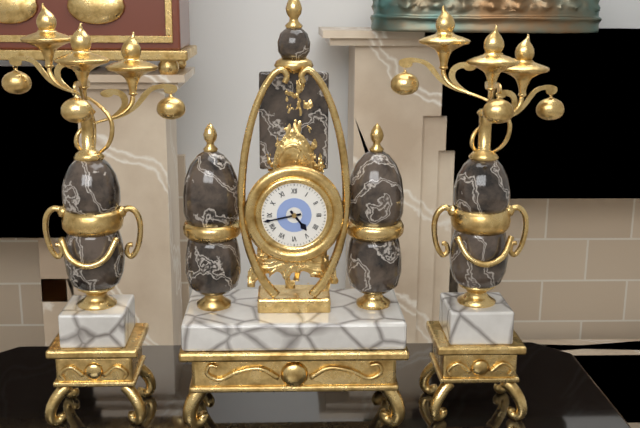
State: 4 h 43 min
